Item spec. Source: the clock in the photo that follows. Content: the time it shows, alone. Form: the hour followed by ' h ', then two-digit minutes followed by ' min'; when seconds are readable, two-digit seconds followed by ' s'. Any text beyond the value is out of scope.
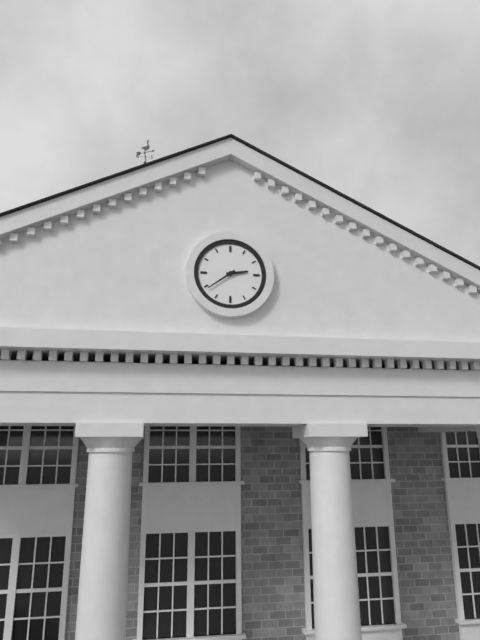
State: 2 h 39 min
